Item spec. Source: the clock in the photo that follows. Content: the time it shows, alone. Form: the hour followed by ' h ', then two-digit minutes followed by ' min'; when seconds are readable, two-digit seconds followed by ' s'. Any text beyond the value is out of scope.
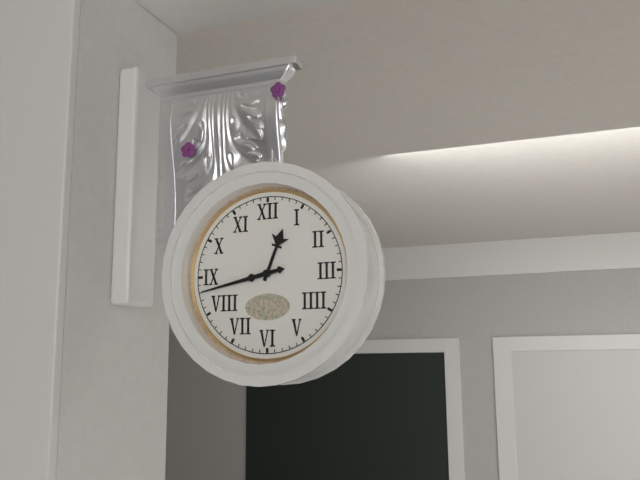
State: 12 h 43 min
